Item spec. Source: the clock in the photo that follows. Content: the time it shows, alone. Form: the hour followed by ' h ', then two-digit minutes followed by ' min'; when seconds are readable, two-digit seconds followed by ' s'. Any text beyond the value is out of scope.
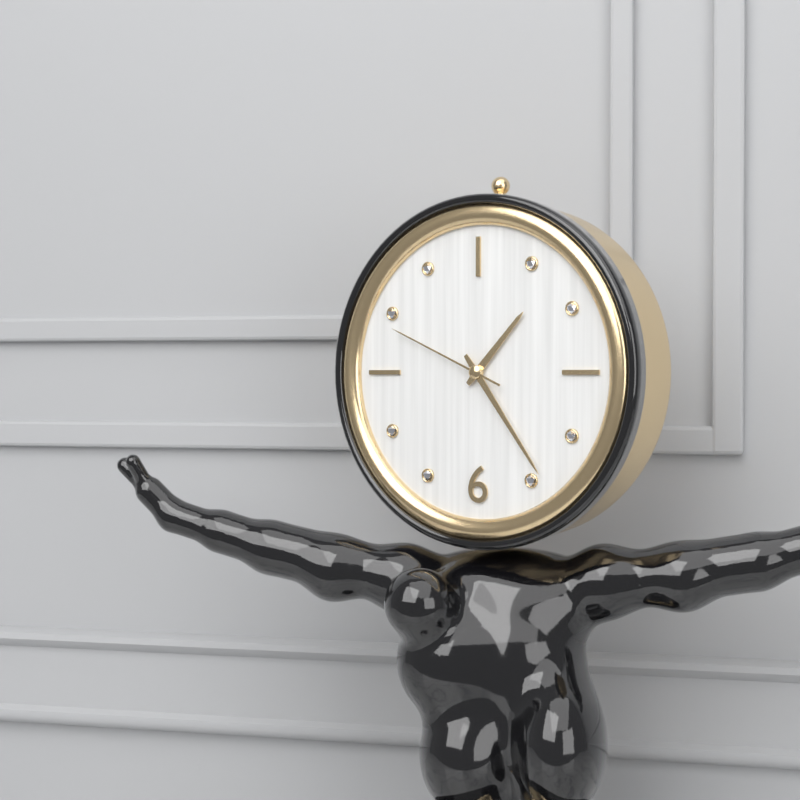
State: 1 h 24 min 49 s
